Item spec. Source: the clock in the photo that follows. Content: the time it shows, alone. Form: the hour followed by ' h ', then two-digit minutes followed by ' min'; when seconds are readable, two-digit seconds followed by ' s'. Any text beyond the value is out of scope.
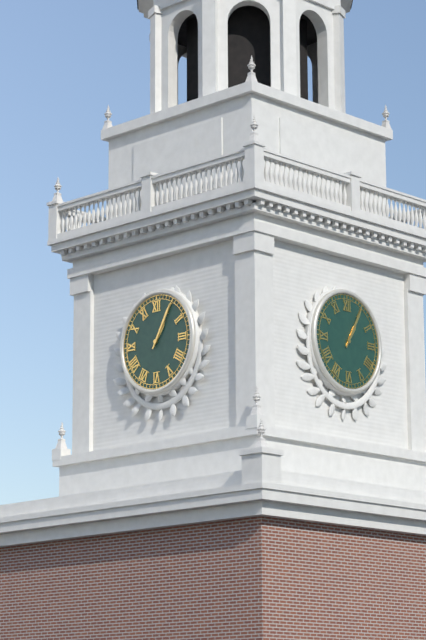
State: 1 h 05 min
